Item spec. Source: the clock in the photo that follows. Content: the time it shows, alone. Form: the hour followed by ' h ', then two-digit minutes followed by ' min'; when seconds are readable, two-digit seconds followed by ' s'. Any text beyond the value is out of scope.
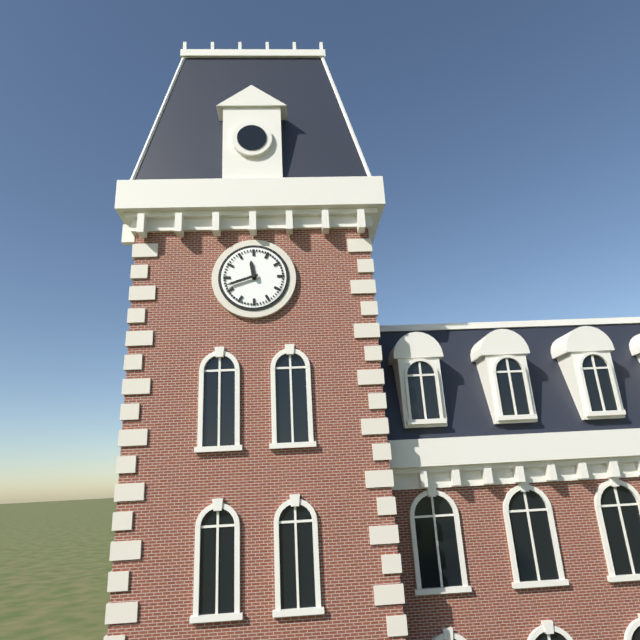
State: 11 h 42 min
